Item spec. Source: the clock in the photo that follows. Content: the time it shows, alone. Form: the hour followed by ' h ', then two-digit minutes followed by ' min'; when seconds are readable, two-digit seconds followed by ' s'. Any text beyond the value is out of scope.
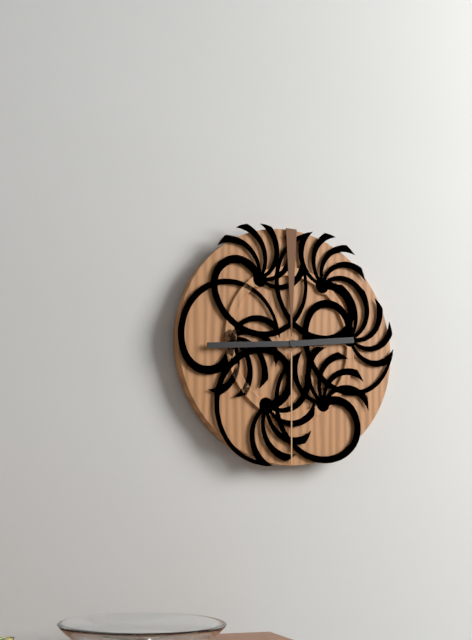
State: 2 h 44 min
